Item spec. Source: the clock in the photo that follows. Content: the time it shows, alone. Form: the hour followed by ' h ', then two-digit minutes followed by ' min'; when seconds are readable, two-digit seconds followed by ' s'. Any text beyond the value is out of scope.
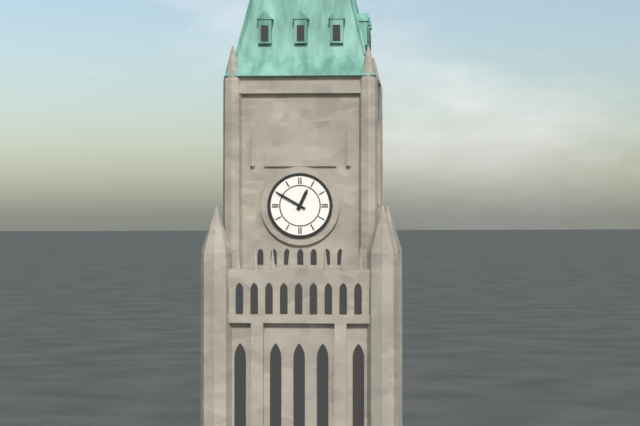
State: 12 h 50 min
